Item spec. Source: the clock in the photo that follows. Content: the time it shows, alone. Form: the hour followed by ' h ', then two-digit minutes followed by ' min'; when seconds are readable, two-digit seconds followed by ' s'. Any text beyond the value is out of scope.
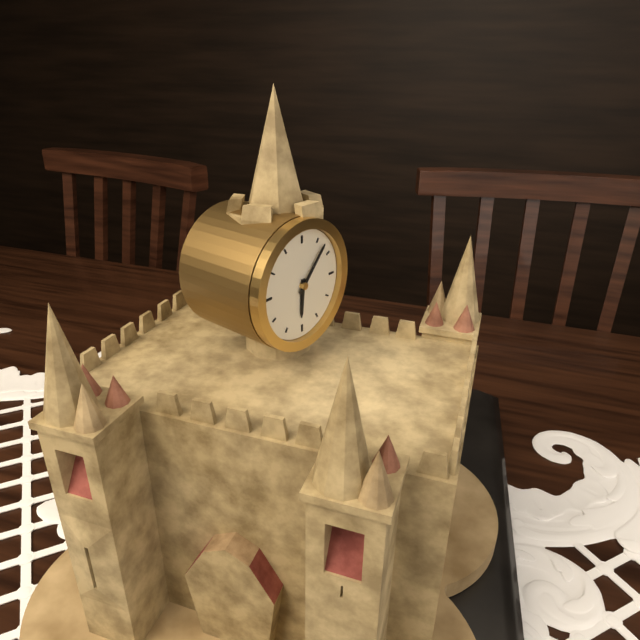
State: 6 h 07 min
